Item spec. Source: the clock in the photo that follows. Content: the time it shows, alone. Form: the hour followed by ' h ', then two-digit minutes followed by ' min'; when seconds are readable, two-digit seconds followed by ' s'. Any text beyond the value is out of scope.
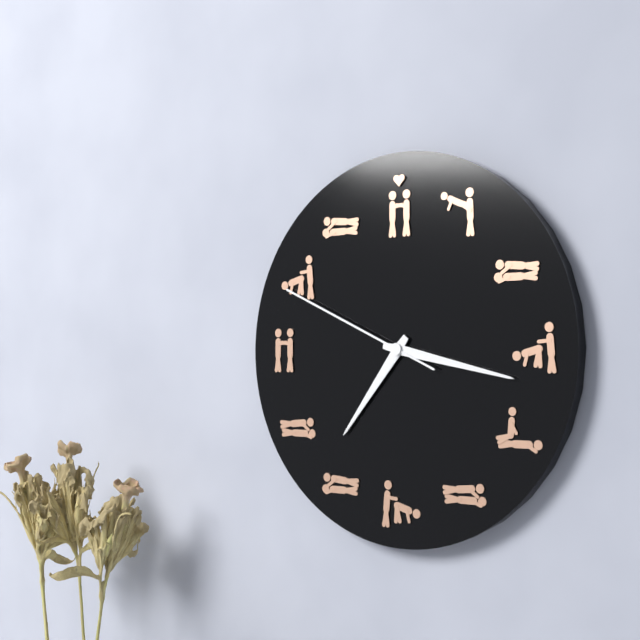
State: 7 h 17 min 49 s
